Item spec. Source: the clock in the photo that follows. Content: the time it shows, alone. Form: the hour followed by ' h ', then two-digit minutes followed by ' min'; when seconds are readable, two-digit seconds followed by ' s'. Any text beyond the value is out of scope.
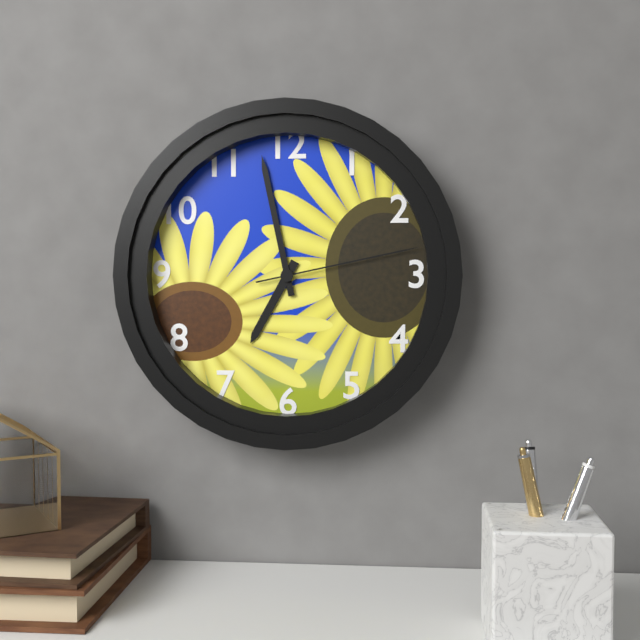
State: 6 h 58 min 13 s
